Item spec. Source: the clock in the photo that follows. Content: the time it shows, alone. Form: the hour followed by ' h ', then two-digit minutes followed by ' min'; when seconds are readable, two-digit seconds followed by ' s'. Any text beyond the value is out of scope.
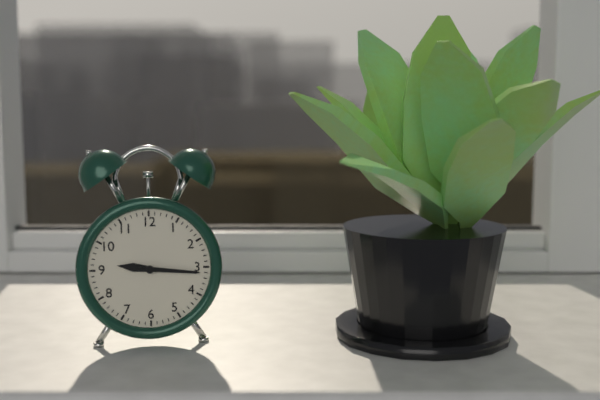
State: 9 h 16 min
